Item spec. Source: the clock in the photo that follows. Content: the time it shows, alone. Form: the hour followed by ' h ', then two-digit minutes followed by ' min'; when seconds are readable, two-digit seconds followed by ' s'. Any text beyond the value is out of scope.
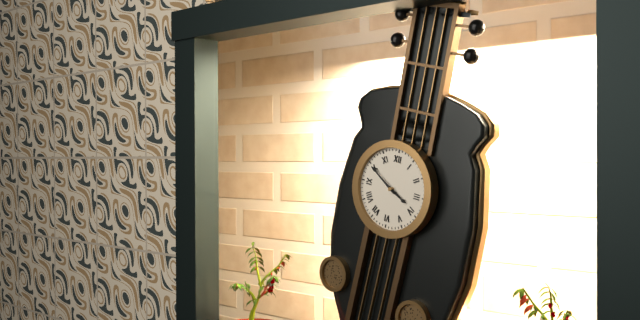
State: 3 h 50 min
